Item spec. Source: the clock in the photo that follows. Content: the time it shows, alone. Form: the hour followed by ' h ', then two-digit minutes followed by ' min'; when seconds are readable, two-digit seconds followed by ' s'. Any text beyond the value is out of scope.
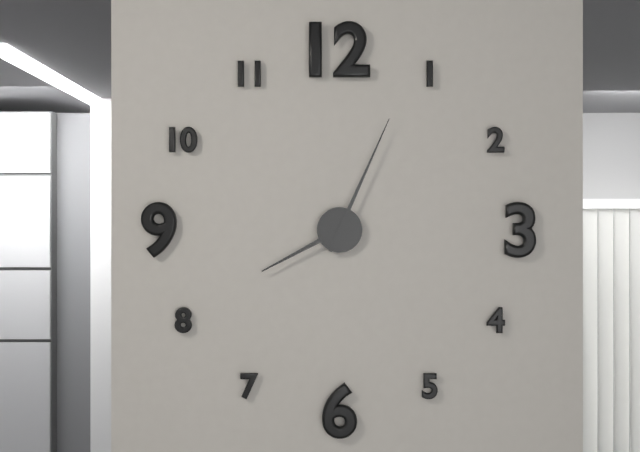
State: 8 h 04 min
